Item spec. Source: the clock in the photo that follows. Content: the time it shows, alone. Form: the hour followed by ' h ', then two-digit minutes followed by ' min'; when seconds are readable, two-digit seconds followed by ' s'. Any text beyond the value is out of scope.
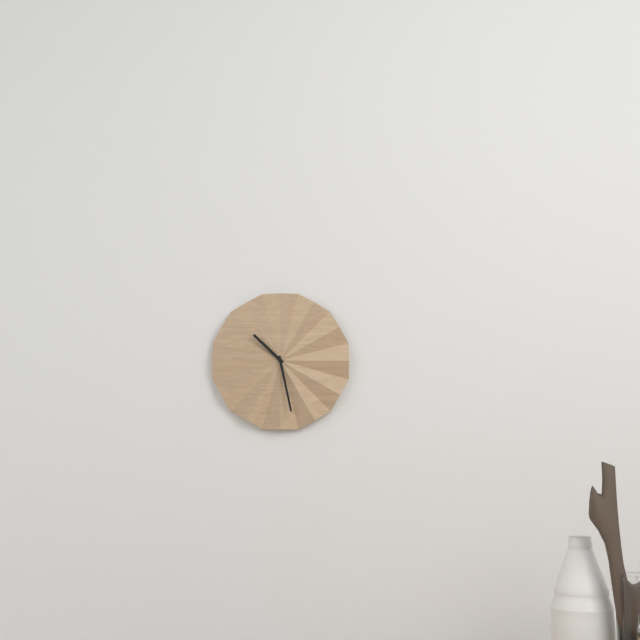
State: 10 h 28 min
